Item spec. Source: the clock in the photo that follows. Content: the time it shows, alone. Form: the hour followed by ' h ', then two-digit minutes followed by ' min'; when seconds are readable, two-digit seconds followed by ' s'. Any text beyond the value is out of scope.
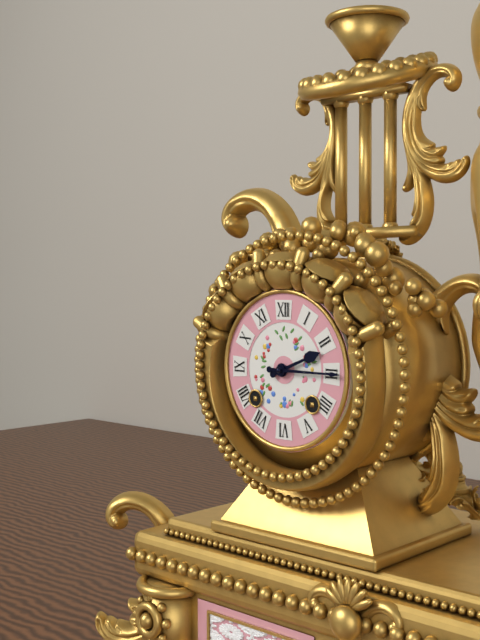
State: 2 h 15 min
